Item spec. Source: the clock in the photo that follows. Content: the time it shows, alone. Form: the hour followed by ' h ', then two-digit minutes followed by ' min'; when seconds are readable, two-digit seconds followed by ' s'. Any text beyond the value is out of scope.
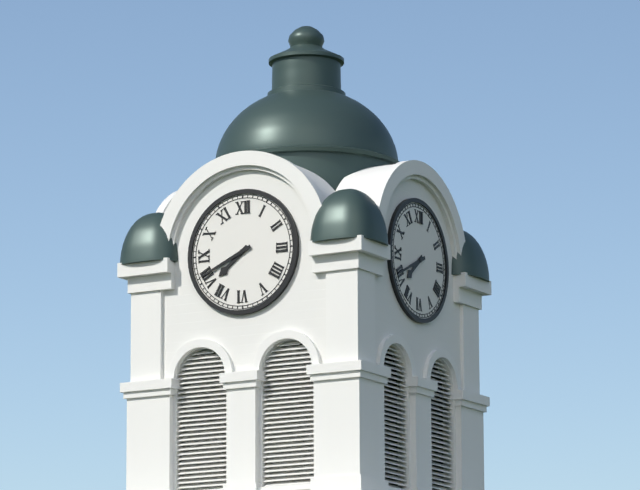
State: 7 h 41 min
